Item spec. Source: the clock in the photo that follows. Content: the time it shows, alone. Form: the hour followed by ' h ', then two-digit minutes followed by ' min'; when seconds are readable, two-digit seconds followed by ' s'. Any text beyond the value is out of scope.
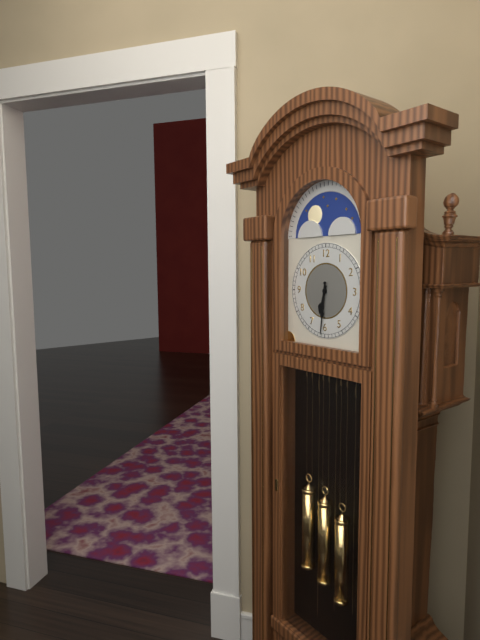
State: 6 h 31 min
